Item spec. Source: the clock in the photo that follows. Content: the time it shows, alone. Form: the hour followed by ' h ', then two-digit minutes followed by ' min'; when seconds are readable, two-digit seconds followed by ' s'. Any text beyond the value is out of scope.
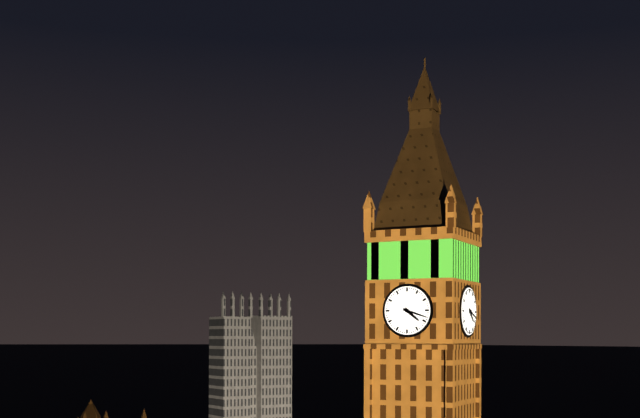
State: 4 h 18 min
